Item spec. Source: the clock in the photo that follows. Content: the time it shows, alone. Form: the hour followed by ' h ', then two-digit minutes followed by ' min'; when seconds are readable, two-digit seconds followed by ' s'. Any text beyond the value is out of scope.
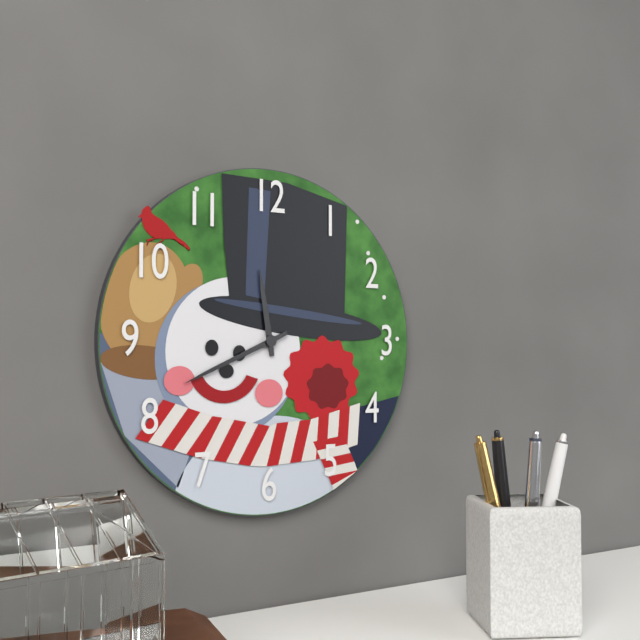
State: 11 h 41 min
